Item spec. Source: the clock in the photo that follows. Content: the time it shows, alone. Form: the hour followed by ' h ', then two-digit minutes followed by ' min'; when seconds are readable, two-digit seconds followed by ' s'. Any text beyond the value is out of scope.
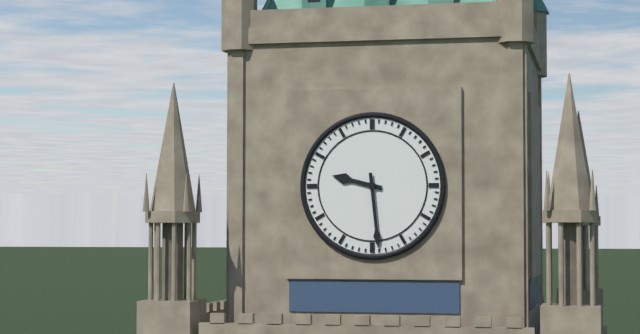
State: 9 h 29 min
